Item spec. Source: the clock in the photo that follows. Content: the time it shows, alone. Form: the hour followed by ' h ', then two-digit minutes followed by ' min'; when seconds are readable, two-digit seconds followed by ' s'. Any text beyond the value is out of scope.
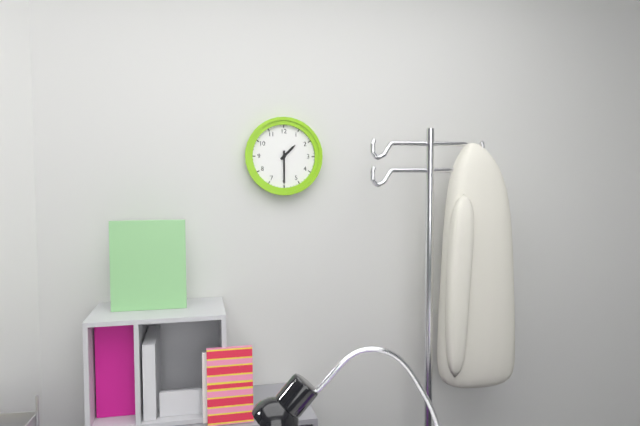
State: 1 h 30 min
